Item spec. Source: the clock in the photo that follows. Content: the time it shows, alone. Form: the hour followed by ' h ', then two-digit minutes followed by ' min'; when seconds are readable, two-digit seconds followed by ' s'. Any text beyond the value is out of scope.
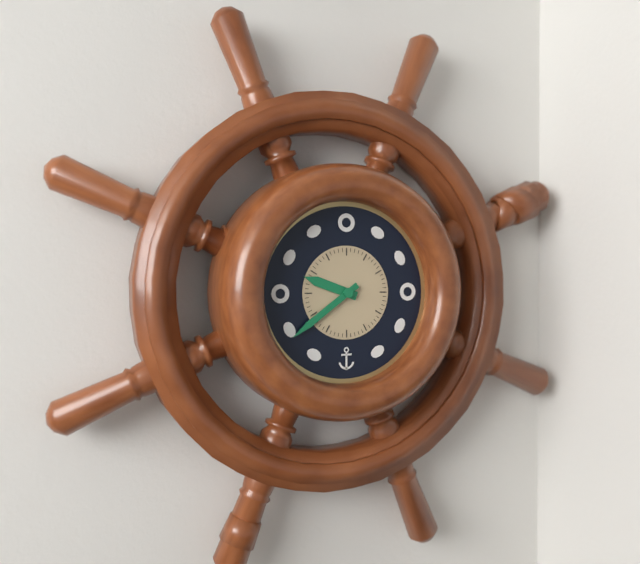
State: 9 h 39 min
